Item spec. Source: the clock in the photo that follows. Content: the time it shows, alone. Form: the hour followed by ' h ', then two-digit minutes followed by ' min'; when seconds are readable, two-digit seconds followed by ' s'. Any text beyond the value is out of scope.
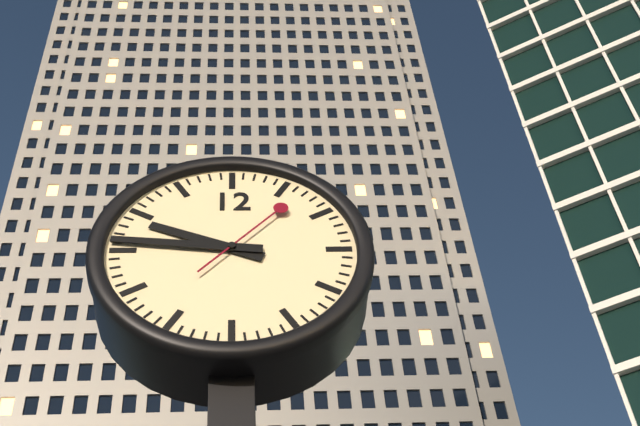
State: 9 h 46 min 07 s
